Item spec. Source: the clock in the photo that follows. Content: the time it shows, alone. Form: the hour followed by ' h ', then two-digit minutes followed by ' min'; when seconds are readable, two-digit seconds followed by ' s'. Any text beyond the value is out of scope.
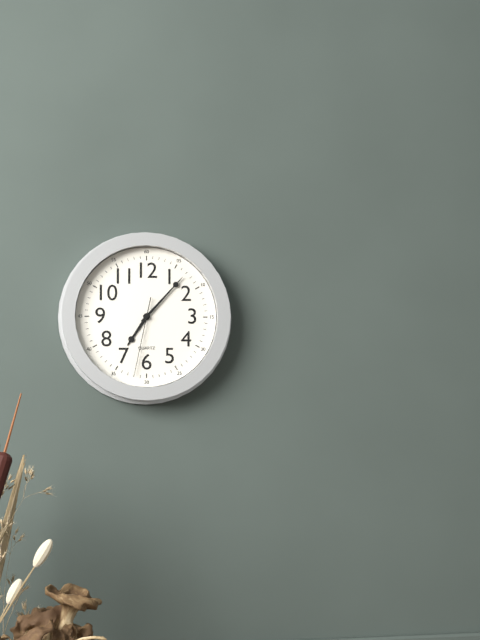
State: 7 h 07 min 32 s
